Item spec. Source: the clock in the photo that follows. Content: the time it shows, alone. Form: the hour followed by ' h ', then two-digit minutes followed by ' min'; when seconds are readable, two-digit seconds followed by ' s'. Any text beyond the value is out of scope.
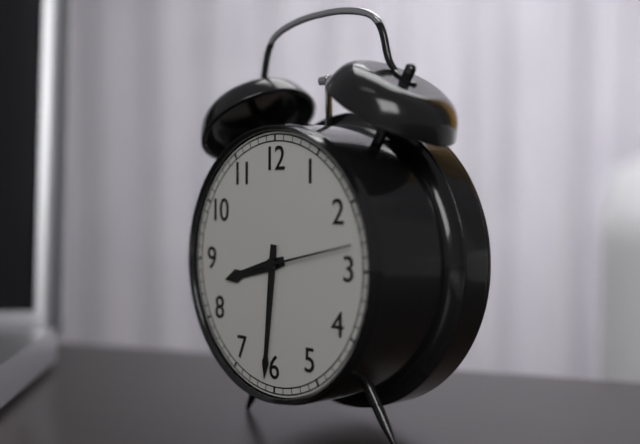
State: 8 h 31 min 13 s
